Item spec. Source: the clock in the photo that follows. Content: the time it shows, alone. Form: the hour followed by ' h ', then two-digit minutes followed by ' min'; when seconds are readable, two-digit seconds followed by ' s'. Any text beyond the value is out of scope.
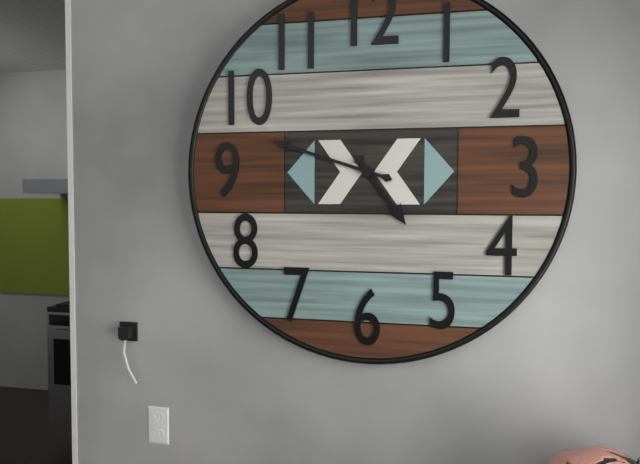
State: 4 h 48 min
